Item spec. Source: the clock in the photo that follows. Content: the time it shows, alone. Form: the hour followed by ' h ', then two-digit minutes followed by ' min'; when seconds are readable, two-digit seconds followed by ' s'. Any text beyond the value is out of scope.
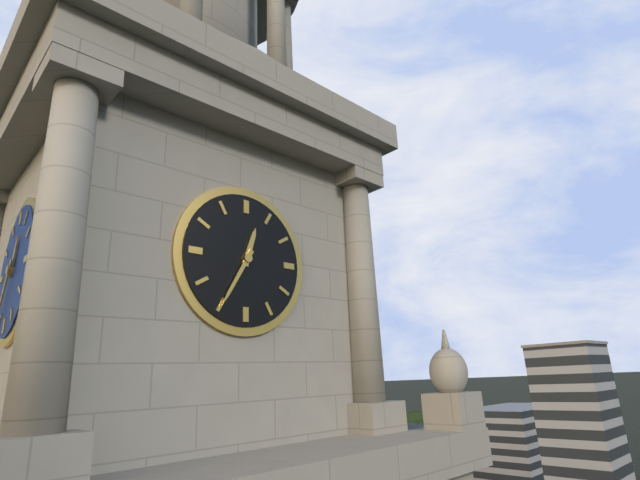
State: 12 h 35 min
